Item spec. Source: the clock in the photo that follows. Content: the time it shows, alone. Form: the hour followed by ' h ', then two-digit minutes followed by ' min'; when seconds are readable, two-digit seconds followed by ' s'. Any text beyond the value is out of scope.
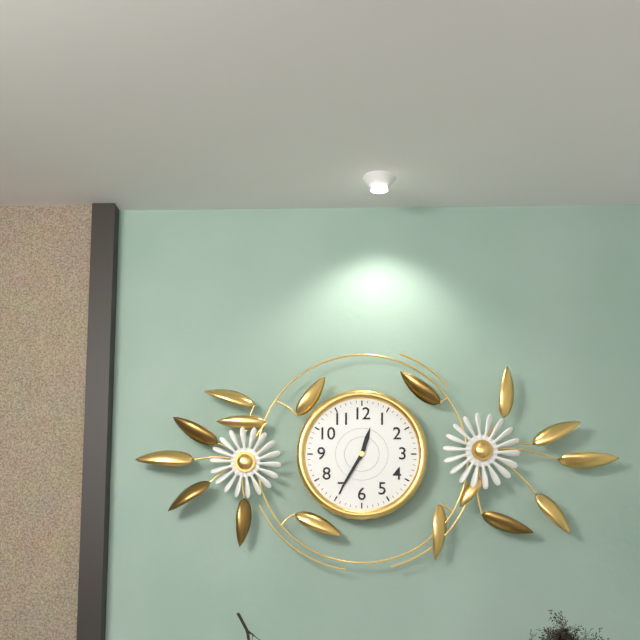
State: 12 h 35 min
